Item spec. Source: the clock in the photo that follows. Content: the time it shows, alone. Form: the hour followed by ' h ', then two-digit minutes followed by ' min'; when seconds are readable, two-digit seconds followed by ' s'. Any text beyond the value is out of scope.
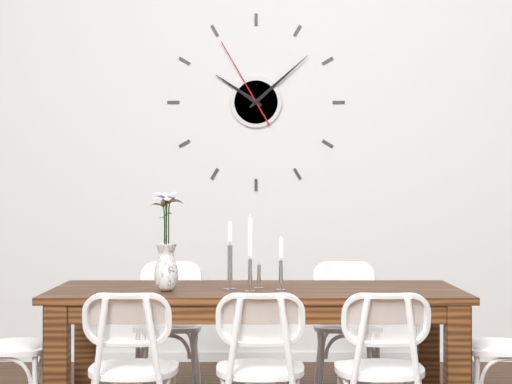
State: 10 h 08 min 55 s
